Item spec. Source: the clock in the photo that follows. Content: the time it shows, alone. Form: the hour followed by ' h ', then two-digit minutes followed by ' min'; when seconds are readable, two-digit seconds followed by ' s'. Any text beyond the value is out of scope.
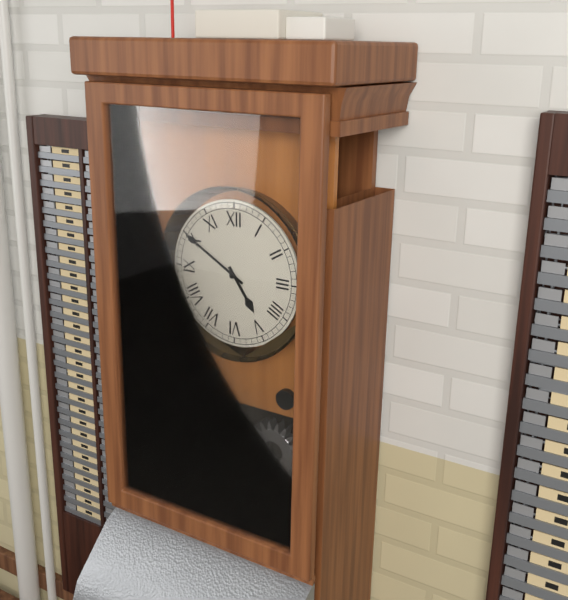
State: 4 h 50 min
